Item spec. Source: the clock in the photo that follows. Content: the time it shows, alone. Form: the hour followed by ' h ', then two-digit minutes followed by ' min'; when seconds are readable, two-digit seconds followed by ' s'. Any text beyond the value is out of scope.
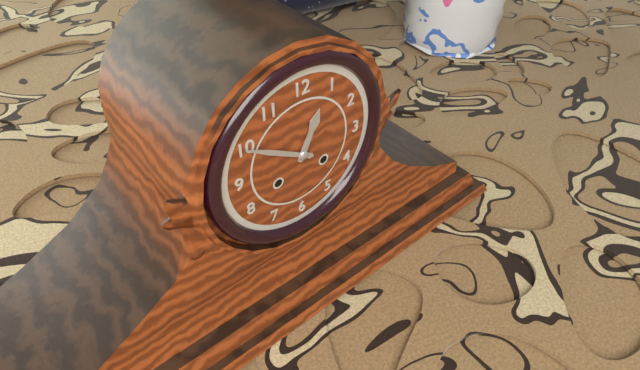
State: 12 h 50 min
